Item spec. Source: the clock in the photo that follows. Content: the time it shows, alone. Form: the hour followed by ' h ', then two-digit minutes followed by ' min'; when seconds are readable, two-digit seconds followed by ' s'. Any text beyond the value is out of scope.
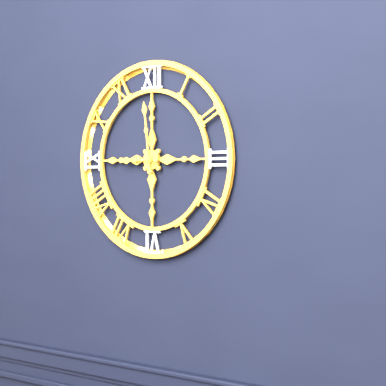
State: 8 h 59 min
